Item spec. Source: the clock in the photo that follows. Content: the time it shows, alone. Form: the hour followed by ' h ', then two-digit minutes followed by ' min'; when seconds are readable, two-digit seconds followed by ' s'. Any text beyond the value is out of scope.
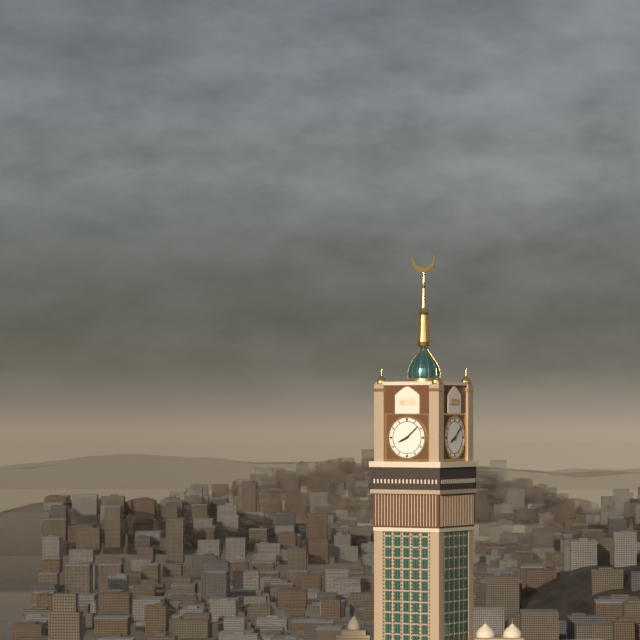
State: 8 h 08 min
